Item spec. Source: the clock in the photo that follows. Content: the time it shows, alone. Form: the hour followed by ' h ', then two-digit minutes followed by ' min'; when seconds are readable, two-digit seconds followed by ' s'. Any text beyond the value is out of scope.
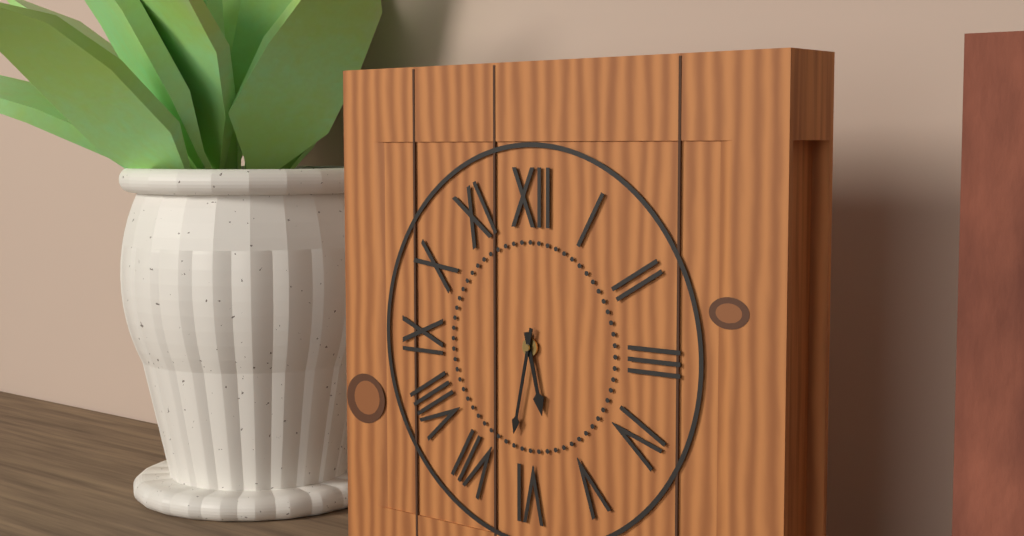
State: 5 h 32 min
